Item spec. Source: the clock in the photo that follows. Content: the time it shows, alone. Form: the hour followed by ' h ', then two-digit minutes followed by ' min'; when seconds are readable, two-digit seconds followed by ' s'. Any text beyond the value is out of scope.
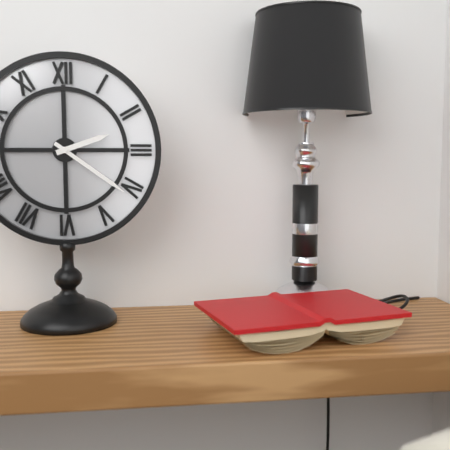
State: 2 h 21 min
